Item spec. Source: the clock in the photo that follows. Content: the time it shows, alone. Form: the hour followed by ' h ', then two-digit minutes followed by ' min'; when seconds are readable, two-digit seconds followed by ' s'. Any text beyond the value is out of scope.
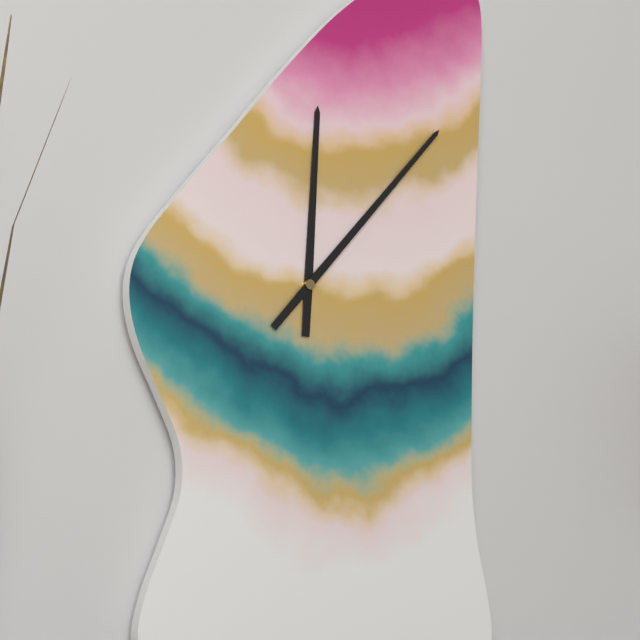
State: 12 h 07 min
